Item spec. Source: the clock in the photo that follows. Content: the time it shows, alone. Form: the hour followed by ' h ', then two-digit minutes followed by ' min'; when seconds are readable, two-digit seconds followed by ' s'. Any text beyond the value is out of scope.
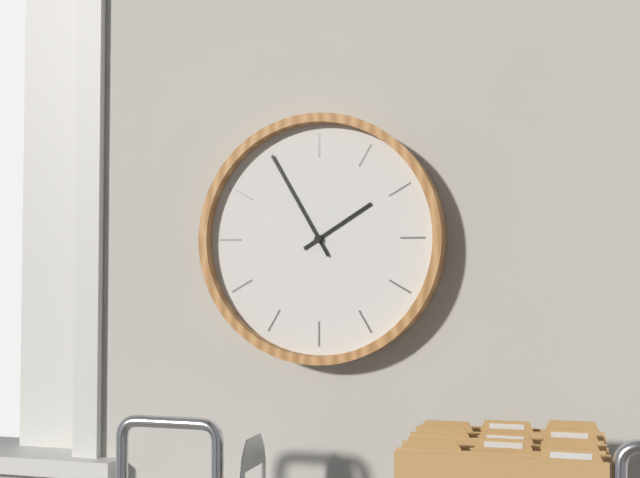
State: 1 h 55 min
